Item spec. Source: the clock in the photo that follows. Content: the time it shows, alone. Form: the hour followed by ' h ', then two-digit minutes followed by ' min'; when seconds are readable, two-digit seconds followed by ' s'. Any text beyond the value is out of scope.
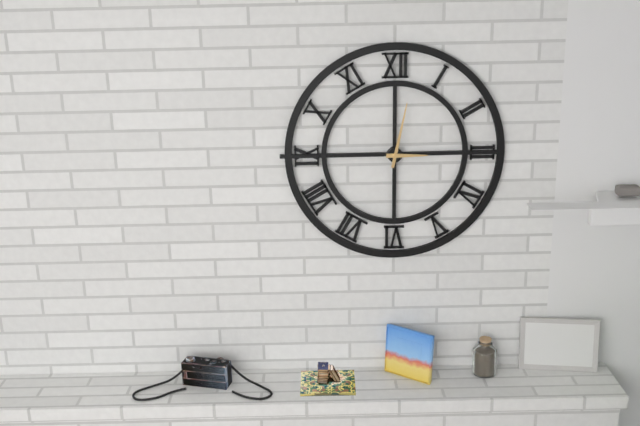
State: 3 h 02 min
